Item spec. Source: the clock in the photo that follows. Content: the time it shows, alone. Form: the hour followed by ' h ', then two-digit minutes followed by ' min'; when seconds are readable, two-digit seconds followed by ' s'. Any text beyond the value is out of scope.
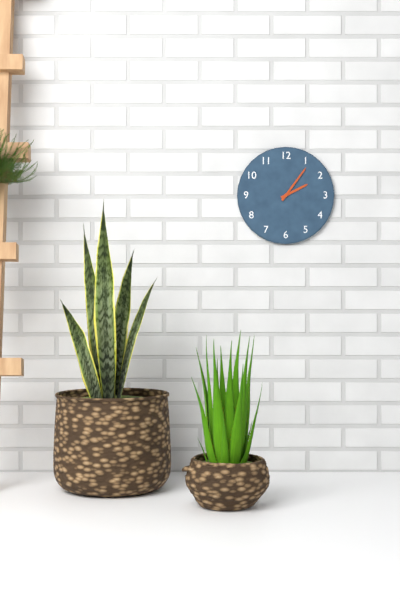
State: 2 h 06 min
